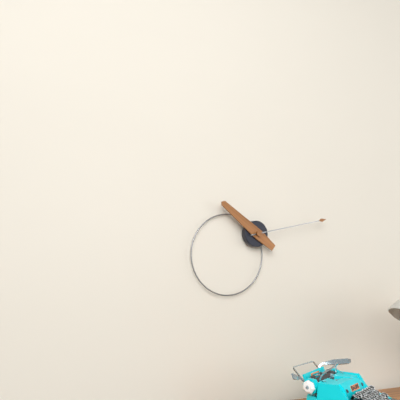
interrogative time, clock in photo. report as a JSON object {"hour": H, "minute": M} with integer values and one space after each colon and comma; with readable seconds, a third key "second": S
{"hour": 10, "minute": 13}
